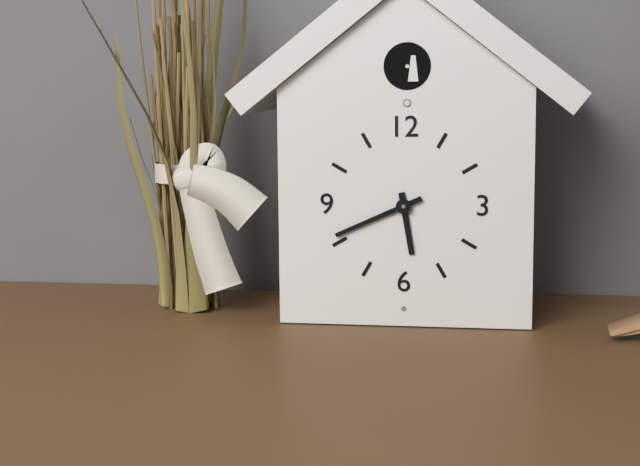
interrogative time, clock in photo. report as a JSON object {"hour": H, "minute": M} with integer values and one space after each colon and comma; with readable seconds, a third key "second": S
{"hour": 5, "minute": 41}
